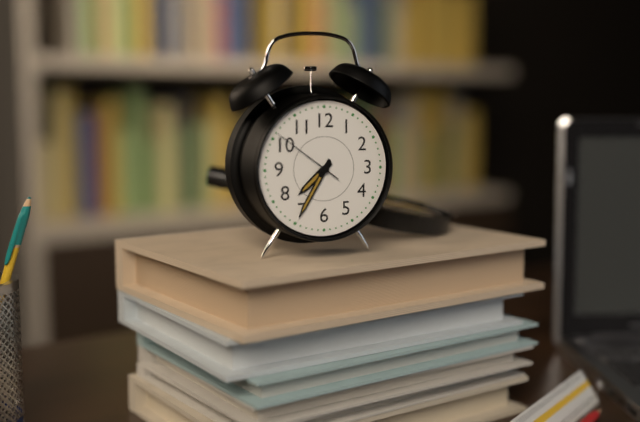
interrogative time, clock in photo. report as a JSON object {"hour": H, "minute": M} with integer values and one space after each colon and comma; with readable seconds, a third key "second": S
{"hour": 7, "minute": 35, "second": 51}
